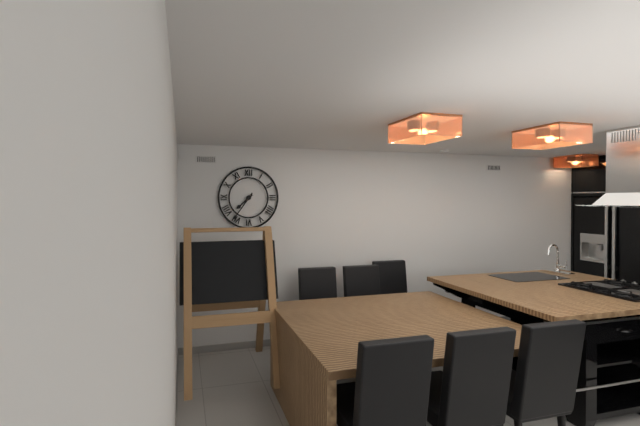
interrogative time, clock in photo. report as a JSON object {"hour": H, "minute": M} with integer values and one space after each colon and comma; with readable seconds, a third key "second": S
{"hour": 7, "minute": 36}
